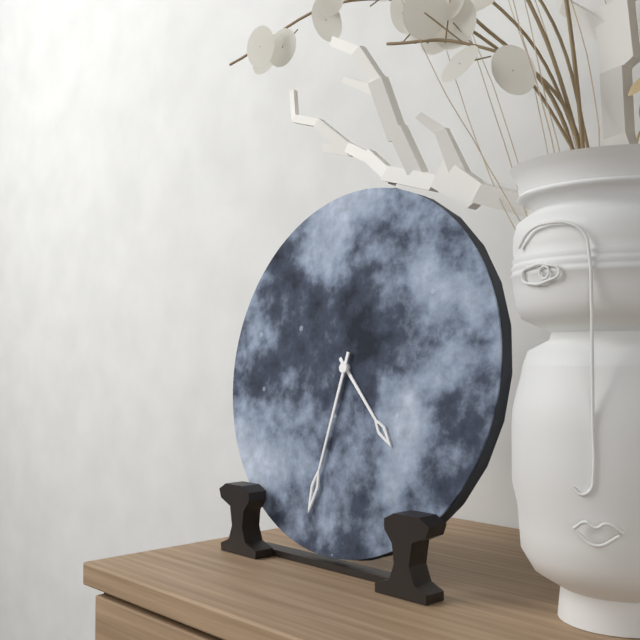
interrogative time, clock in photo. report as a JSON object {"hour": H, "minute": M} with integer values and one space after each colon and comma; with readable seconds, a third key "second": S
{"hour": 4, "minute": 32}
